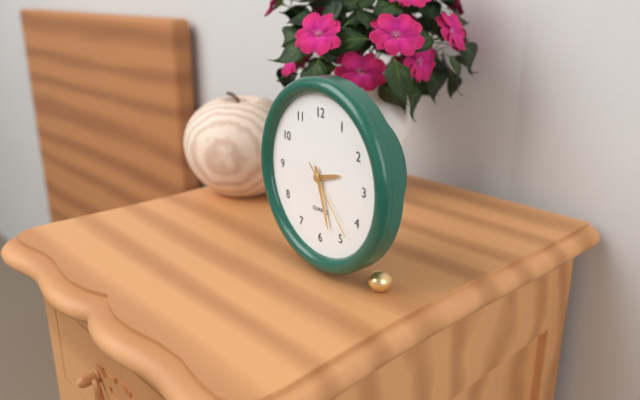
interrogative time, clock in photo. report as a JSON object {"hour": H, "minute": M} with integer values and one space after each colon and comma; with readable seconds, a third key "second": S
{"hour": 2, "minute": 27, "second": 23}
